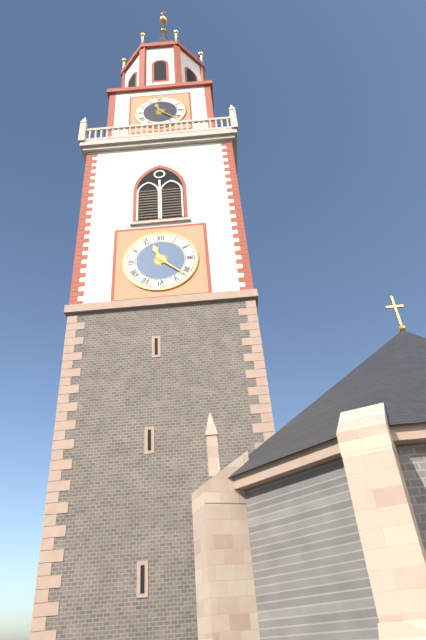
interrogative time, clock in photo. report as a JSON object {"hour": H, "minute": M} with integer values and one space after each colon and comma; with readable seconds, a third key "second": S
{"hour": 11, "minute": 22}
